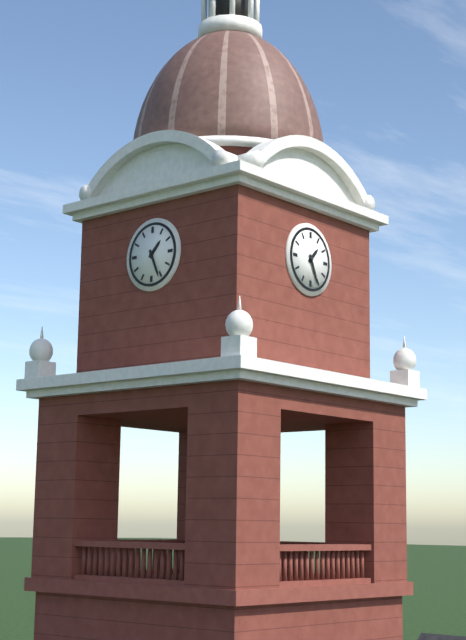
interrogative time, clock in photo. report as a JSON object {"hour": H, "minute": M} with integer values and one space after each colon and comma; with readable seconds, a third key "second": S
{"hour": 1, "minute": 26}
